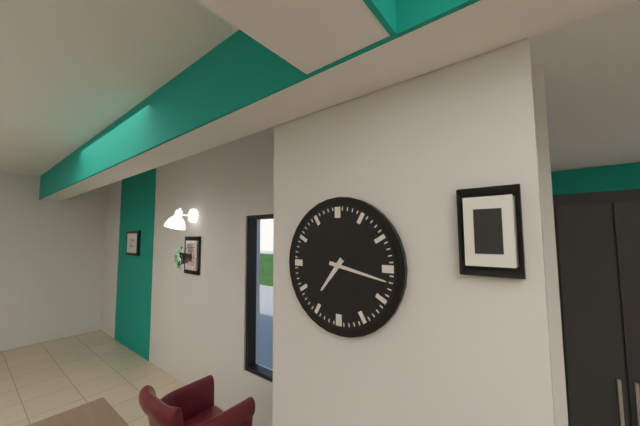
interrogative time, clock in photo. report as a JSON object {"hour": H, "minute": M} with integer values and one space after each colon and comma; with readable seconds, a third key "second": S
{"hour": 7, "minute": 17}
